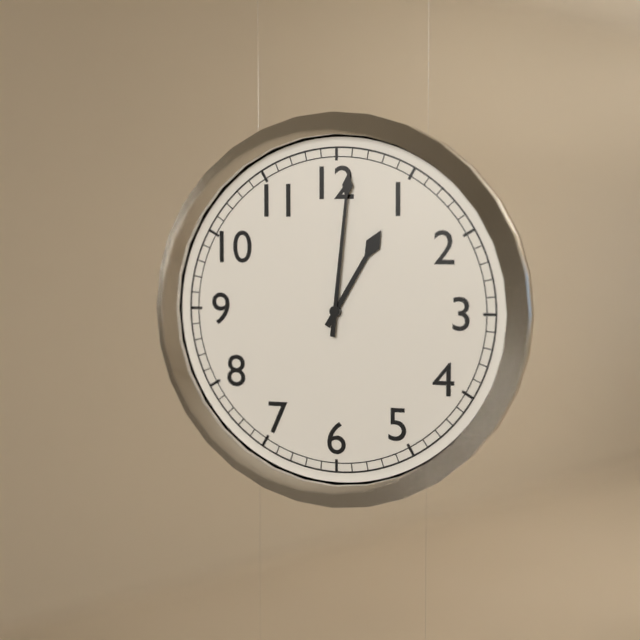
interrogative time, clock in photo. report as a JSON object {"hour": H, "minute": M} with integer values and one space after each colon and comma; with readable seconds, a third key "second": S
{"hour": 1, "minute": 1}
